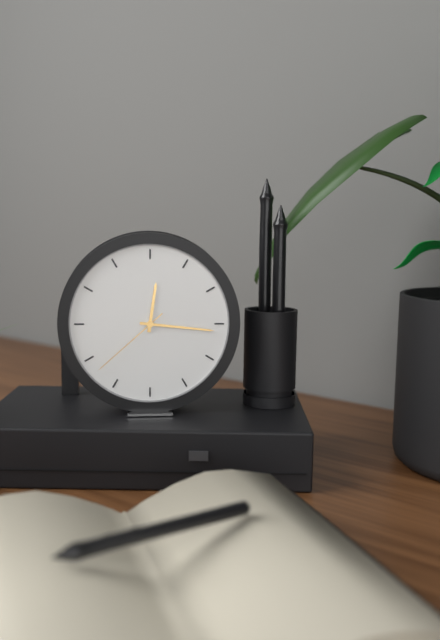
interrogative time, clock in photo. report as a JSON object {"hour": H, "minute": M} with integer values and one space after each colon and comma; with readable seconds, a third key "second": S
{"hour": 12, "minute": 16, "second": 38}
